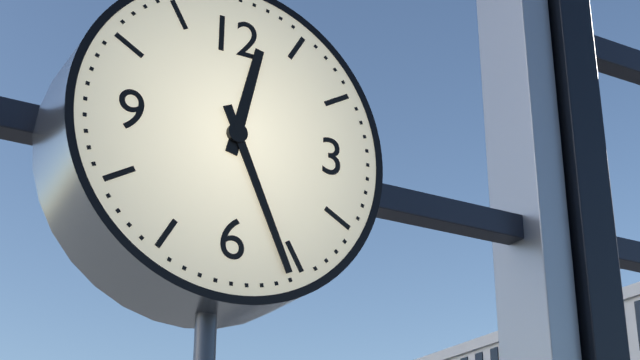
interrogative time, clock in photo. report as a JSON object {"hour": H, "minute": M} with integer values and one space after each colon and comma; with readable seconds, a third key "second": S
{"hour": 12, "minute": 26}
